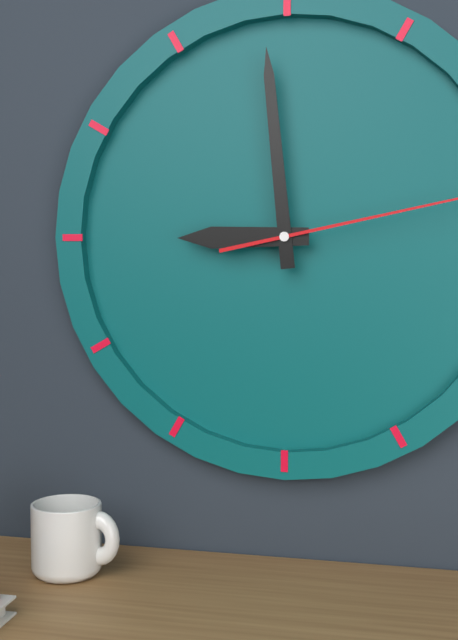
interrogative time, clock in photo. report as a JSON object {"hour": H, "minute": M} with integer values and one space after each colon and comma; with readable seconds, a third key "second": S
{"hour": 8, "minute": 59}
